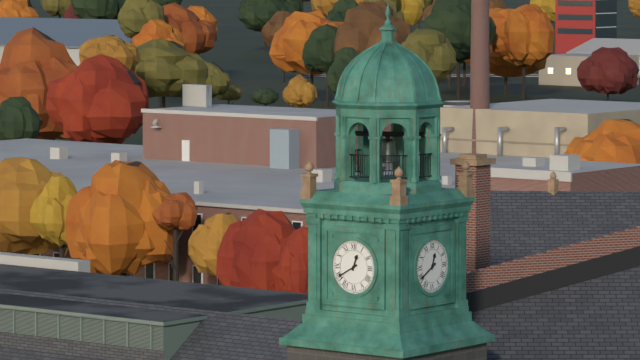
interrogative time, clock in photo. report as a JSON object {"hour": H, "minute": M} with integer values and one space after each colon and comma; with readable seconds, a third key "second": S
{"hour": 12, "minute": 40}
